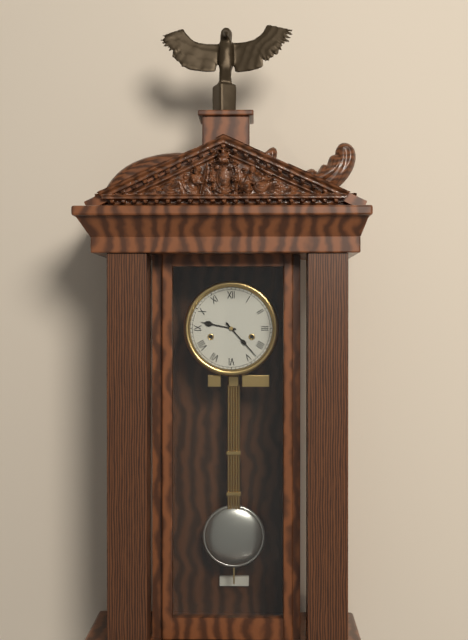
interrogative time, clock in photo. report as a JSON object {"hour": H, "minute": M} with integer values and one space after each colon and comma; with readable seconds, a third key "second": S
{"hour": 9, "minute": 23}
